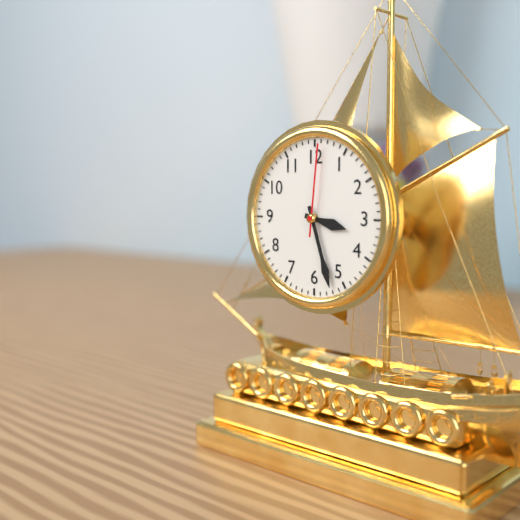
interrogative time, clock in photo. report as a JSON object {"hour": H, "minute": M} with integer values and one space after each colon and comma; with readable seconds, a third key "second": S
{"hour": 3, "minute": 27, "second": 1}
